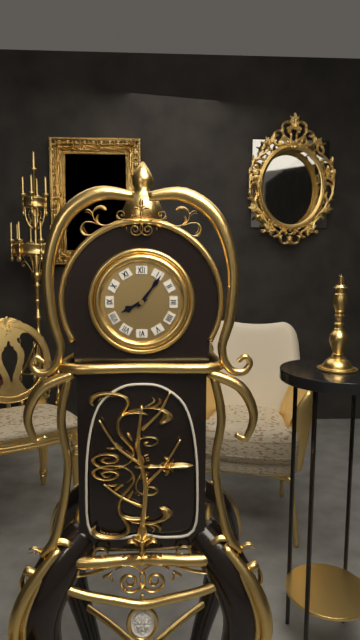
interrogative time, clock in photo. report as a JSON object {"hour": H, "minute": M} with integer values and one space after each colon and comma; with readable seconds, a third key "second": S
{"hour": 8, "minute": 6}
